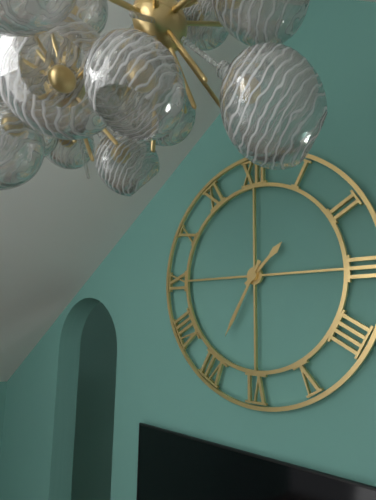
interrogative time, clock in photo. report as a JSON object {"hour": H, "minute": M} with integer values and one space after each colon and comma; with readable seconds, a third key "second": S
{"hour": 1, "minute": 35}
